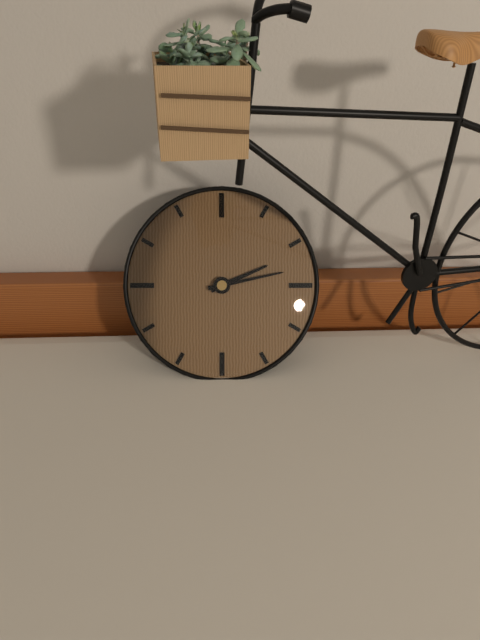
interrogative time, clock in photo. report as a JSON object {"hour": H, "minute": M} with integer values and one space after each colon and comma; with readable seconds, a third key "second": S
{"hour": 2, "minute": 13}
